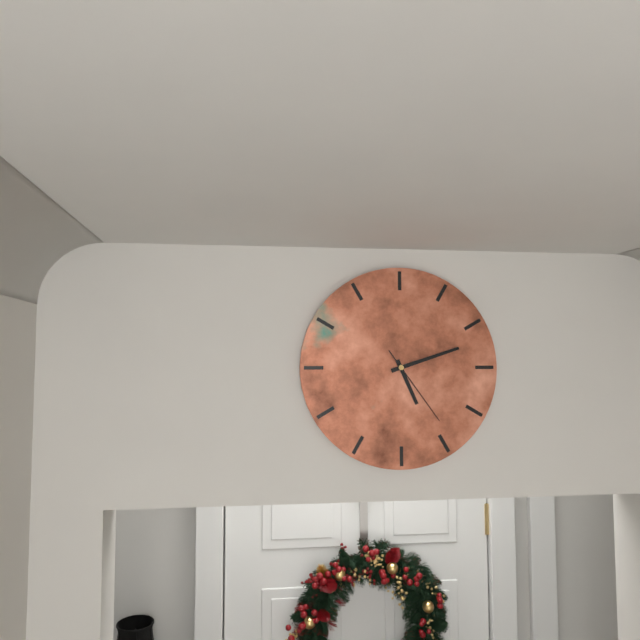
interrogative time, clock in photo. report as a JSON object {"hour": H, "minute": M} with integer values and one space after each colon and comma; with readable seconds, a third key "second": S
{"hour": 5, "minute": 12, "second": 24}
